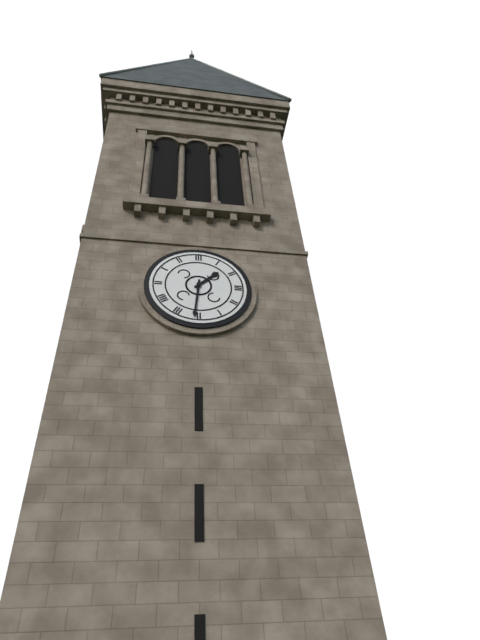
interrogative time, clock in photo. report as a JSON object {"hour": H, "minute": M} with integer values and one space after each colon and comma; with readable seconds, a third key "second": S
{"hour": 1, "minute": 31}
